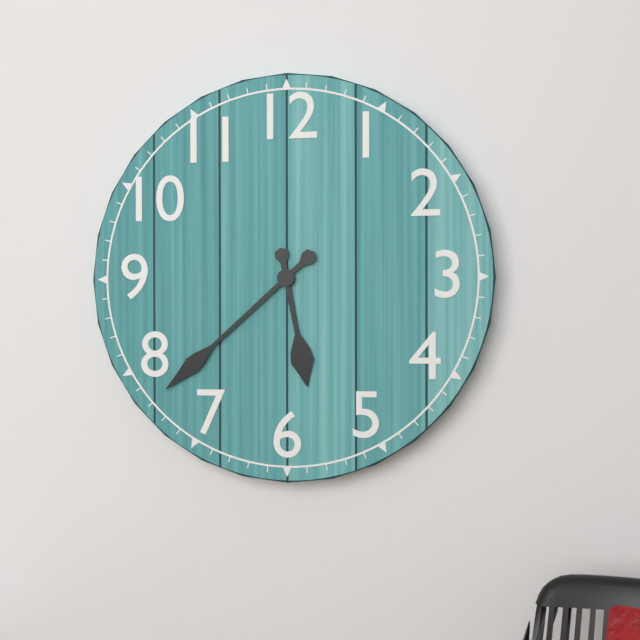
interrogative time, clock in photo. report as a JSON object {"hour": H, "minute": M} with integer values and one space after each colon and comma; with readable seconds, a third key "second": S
{"hour": 5, "minute": 38}
